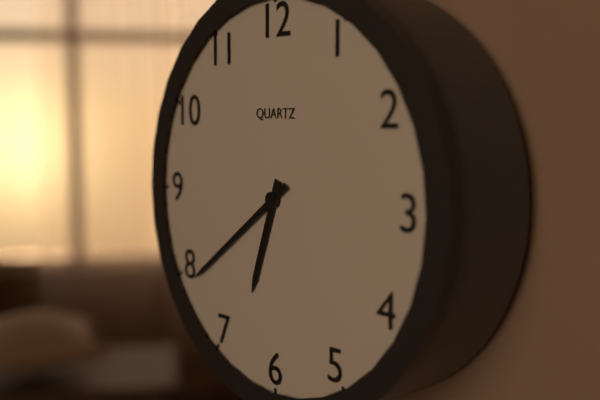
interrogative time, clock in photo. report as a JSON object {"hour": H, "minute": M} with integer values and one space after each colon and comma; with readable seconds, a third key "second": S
{"hour": 6, "minute": 39}
